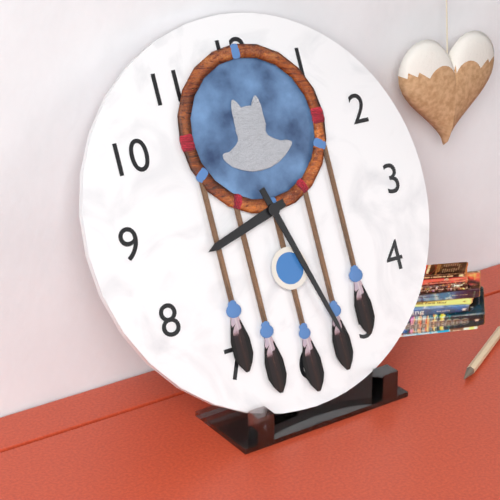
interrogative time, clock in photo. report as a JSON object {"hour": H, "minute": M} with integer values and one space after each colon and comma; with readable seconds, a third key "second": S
{"hour": 8, "minute": 27}
